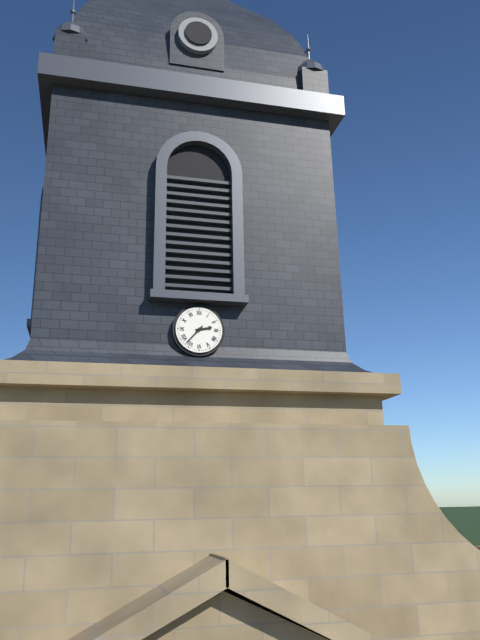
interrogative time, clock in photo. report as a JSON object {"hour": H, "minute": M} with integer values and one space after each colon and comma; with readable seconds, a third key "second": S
{"hour": 2, "minute": 37}
